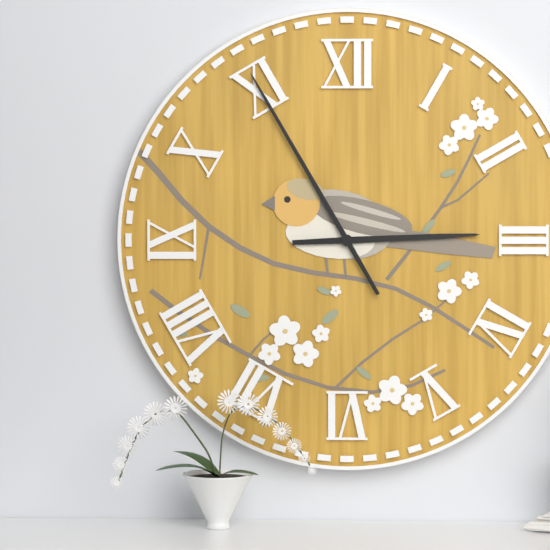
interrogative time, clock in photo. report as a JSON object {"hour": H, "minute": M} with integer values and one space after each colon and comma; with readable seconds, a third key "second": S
{"hour": 2, "minute": 55}
